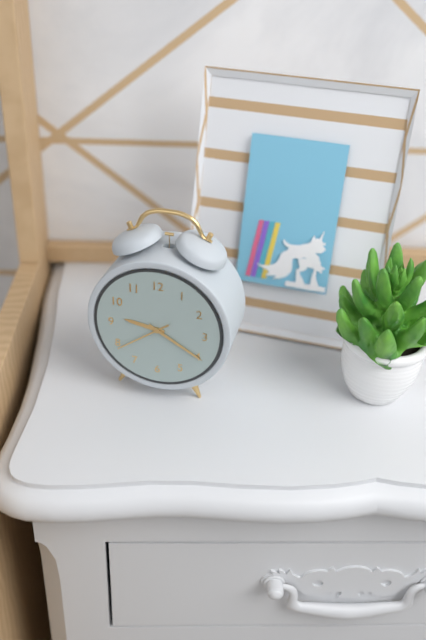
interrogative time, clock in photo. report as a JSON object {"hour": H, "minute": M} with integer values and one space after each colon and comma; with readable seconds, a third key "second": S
{"hour": 9, "minute": 20, "second": 39}
